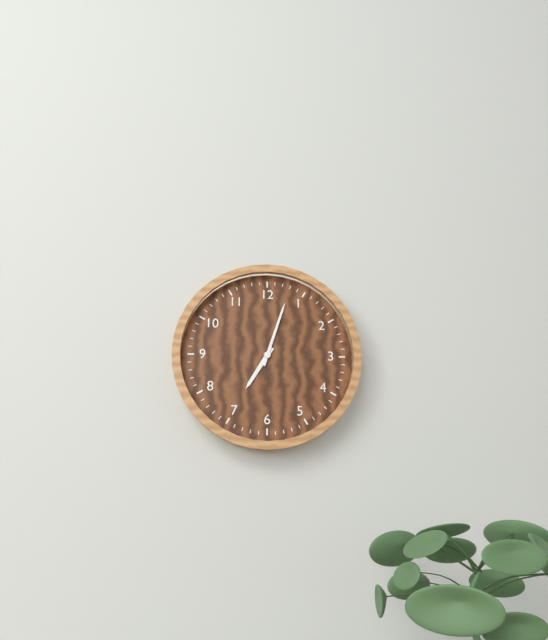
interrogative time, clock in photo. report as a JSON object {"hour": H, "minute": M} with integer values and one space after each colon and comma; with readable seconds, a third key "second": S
{"hour": 7, "minute": 3}
